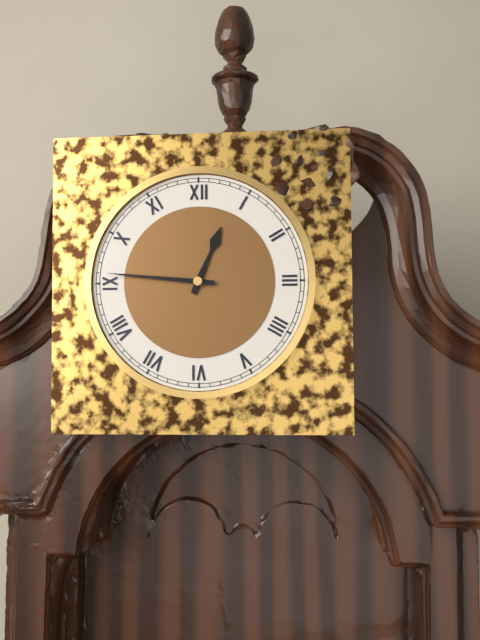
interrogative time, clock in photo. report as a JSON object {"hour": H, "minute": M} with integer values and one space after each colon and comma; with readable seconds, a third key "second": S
{"hour": 12, "minute": 46}
